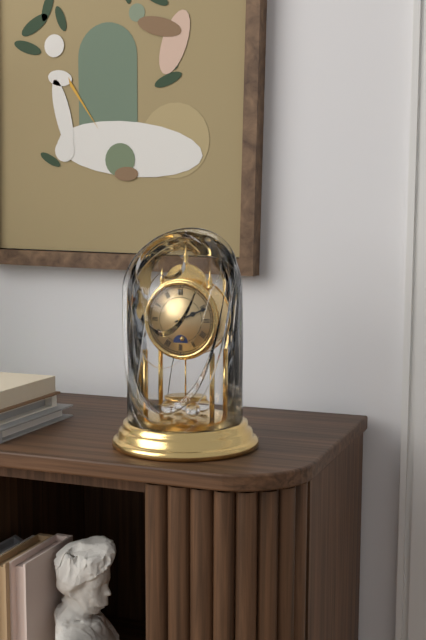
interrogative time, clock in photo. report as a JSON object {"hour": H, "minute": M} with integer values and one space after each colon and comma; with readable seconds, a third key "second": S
{"hour": 2, "minute": 11}
